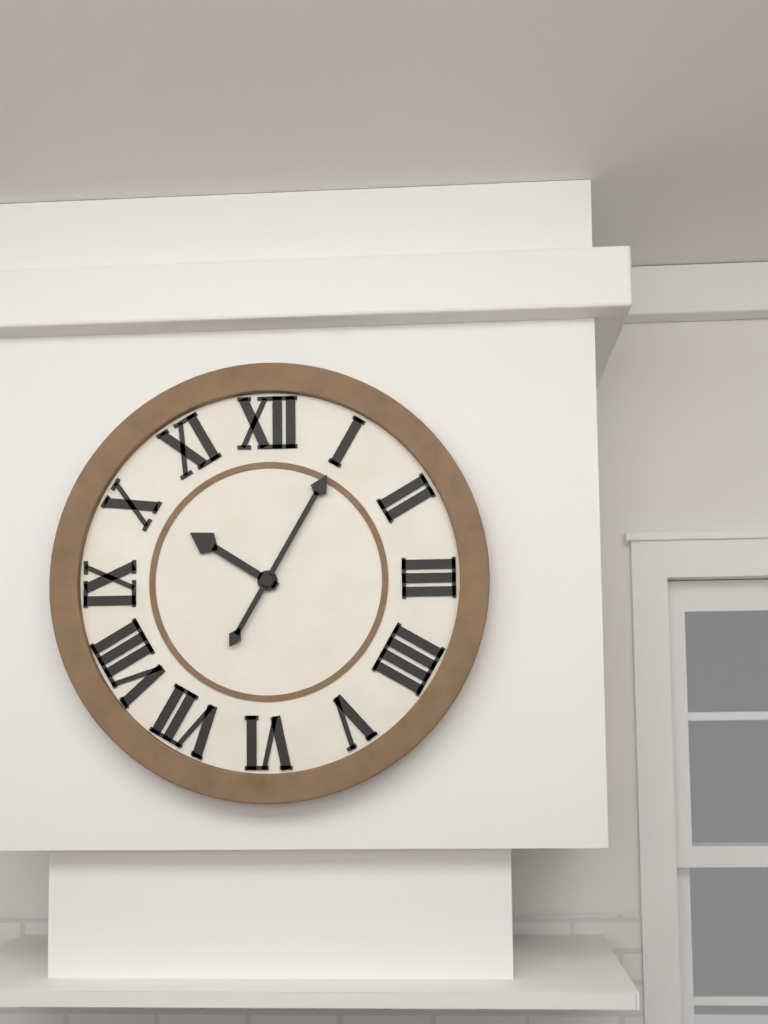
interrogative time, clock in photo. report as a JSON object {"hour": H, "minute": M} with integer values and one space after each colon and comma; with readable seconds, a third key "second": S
{"hour": 10, "minute": 5}
